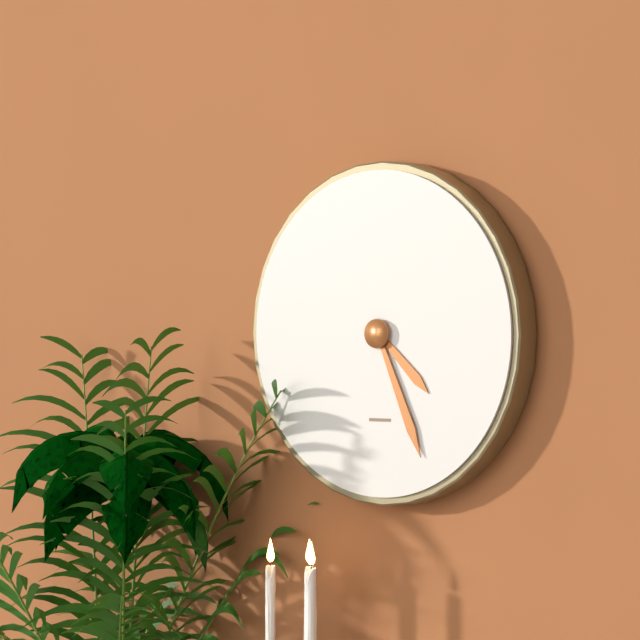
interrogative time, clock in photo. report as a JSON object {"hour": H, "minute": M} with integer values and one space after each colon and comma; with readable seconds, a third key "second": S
{"hour": 4, "minute": 26}
